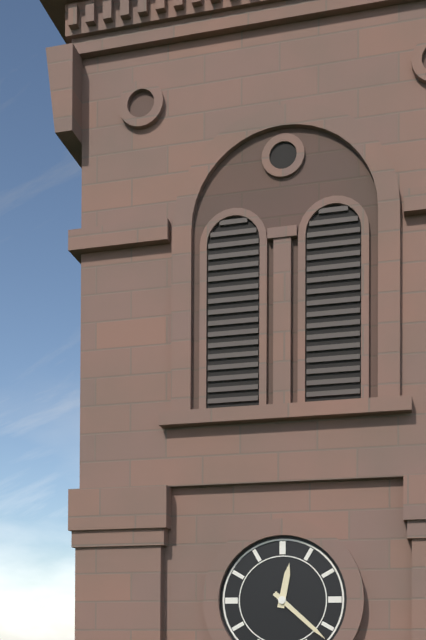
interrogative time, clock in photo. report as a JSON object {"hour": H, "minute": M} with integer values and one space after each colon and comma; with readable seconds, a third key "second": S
{"hour": 12, "minute": 22}
